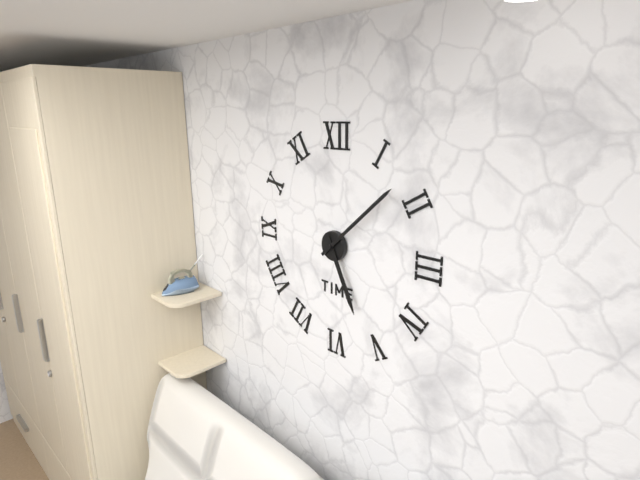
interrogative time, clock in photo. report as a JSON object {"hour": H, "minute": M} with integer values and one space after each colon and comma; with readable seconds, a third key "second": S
{"hour": 5, "minute": 8}
